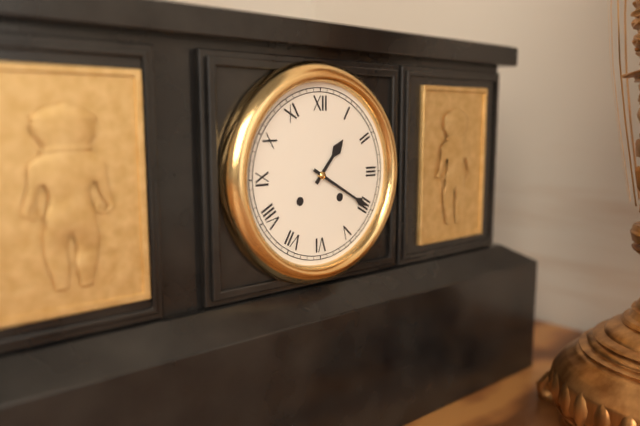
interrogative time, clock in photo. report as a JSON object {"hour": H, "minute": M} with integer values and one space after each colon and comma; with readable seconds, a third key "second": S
{"hour": 1, "minute": 20}
